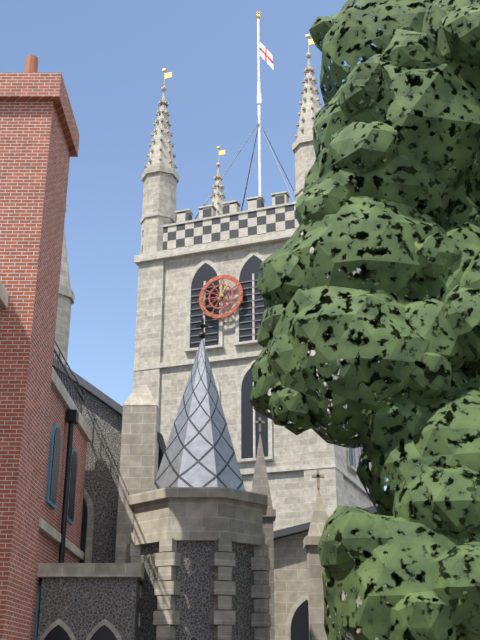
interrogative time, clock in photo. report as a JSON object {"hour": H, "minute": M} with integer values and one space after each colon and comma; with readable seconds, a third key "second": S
{"hour": 12, "minute": 6}
